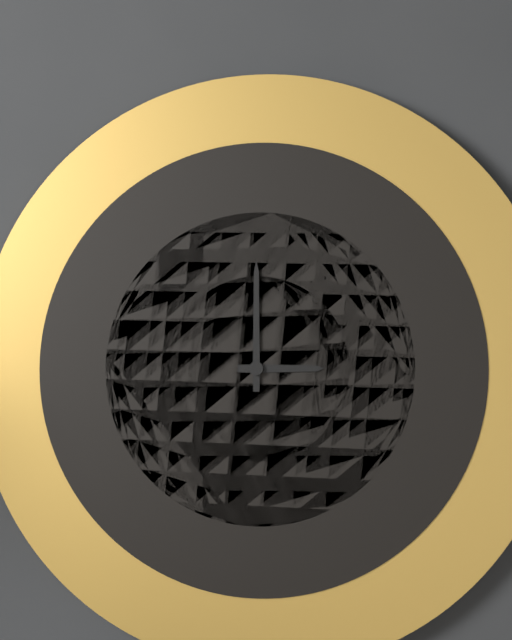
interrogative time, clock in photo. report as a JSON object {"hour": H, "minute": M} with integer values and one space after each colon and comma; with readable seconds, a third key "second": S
{"hour": 3, "minute": 0}
